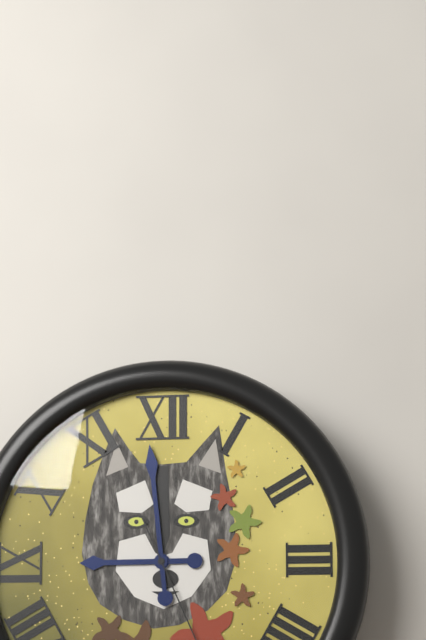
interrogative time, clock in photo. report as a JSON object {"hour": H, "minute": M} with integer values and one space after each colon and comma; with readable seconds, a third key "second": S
{"hour": 8, "minute": 59}
